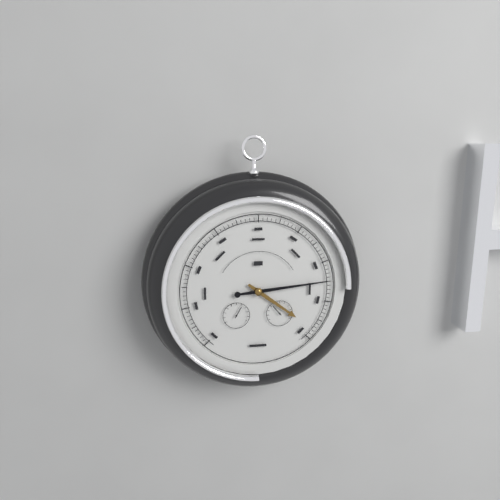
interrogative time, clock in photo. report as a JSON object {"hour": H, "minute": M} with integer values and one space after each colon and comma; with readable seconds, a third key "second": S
{"hour": 4, "minute": 14}
